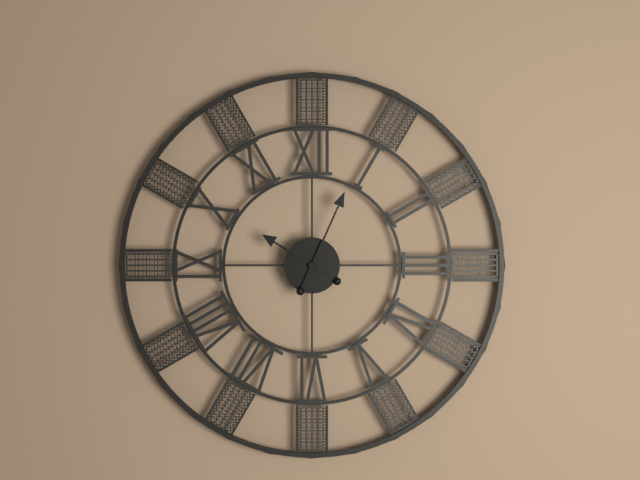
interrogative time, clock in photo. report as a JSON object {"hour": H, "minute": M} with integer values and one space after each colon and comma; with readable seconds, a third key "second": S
{"hour": 10, "minute": 4}
